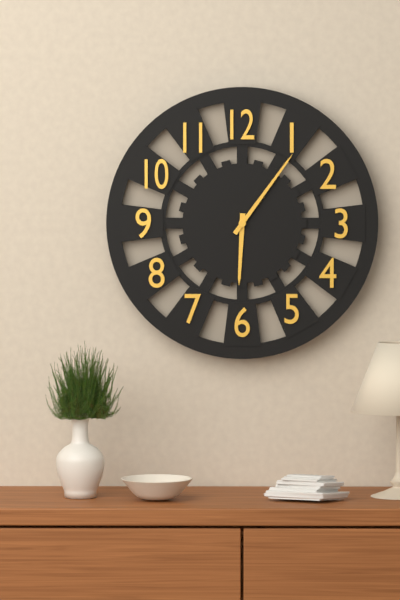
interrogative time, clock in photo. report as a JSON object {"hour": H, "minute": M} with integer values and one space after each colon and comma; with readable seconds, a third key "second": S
{"hour": 6, "minute": 6}
